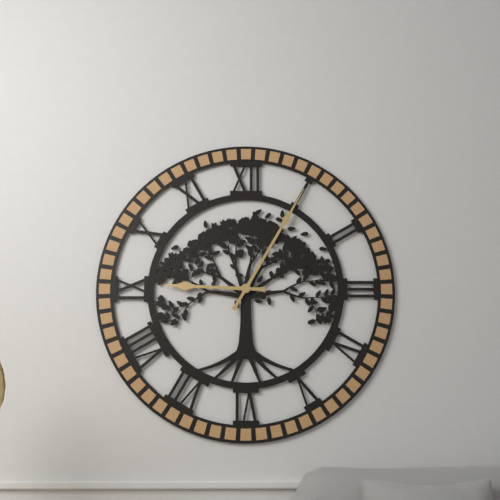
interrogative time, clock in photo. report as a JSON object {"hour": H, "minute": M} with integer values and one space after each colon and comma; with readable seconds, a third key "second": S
{"hour": 9, "minute": 5}
